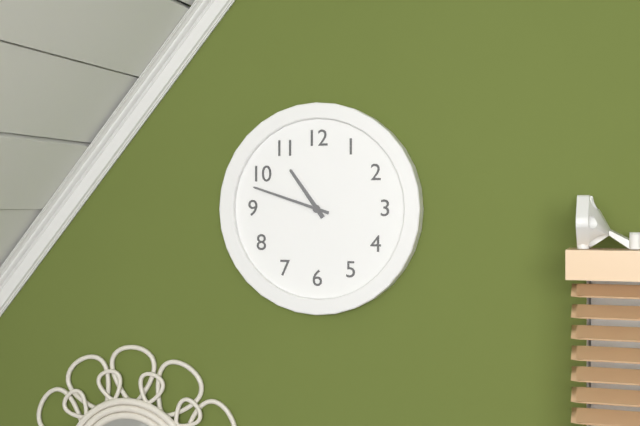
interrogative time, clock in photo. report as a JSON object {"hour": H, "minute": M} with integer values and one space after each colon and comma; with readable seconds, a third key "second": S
{"hour": 10, "minute": 48}
